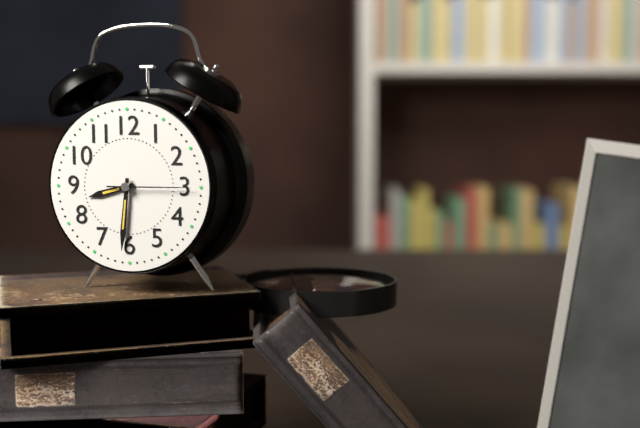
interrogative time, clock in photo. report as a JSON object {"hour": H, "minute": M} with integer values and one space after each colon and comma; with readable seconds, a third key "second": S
{"hour": 8, "minute": 31, "second": 15}
